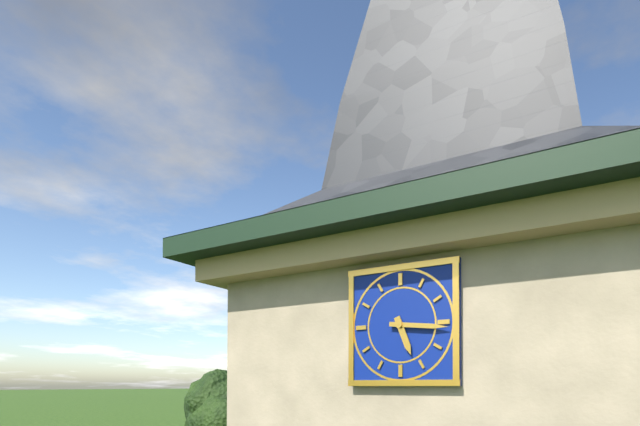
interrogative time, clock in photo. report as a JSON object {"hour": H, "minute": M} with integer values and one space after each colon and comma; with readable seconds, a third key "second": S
{"hour": 5, "minute": 16}
